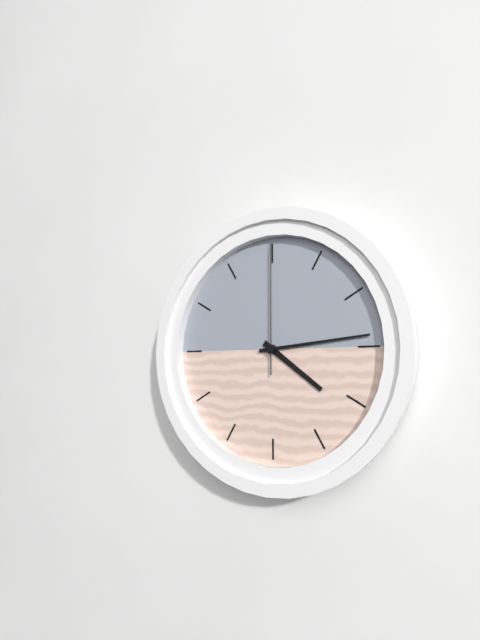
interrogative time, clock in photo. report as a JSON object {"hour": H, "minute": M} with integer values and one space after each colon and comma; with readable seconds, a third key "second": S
{"hour": 4, "minute": 14, "second": 0}
